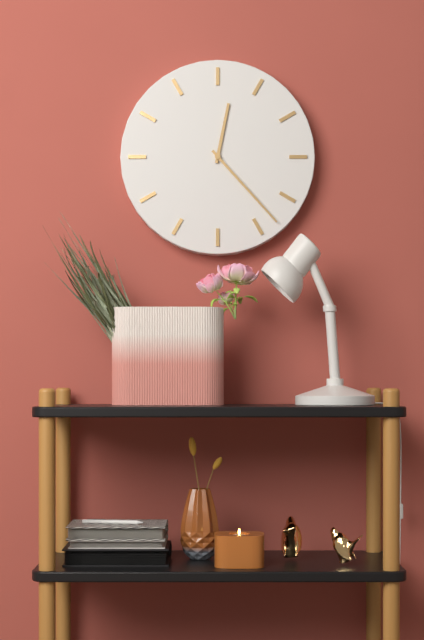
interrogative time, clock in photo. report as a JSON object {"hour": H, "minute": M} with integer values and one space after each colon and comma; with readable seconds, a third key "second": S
{"hour": 12, "minute": 23}
